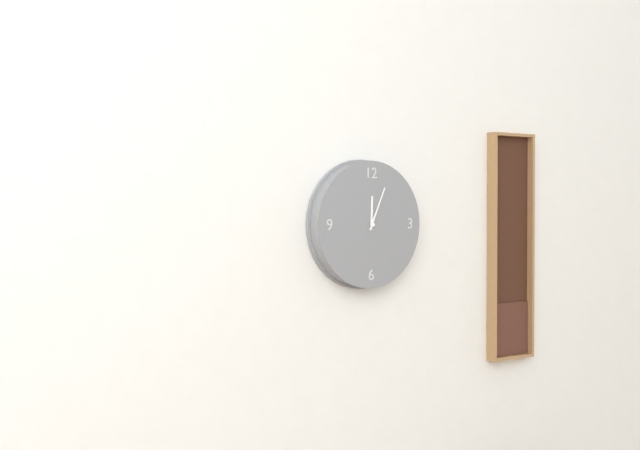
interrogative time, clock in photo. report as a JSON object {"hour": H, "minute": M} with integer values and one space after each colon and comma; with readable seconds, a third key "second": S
{"hour": 12, "minute": 4}
